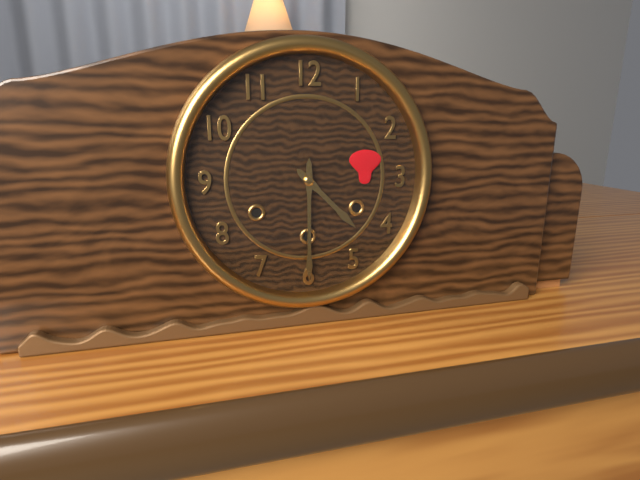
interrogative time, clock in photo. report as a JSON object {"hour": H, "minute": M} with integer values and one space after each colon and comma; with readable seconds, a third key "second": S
{"hour": 4, "minute": 30}
